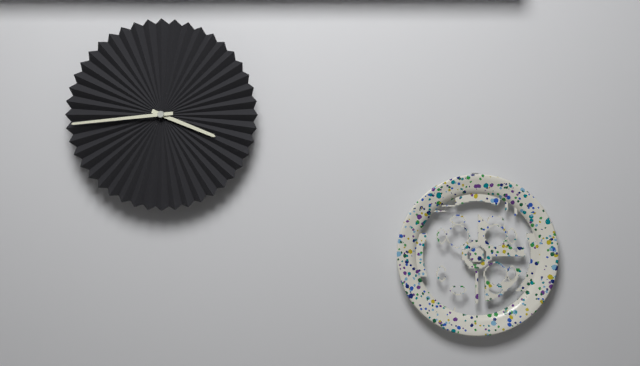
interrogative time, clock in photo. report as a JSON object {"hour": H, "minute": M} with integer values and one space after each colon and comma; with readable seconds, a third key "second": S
{"hour": 3, "minute": 44}
